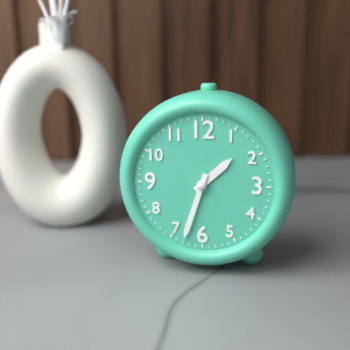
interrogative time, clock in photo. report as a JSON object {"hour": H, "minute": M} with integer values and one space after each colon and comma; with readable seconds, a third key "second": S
{"hour": 1, "minute": 33}
